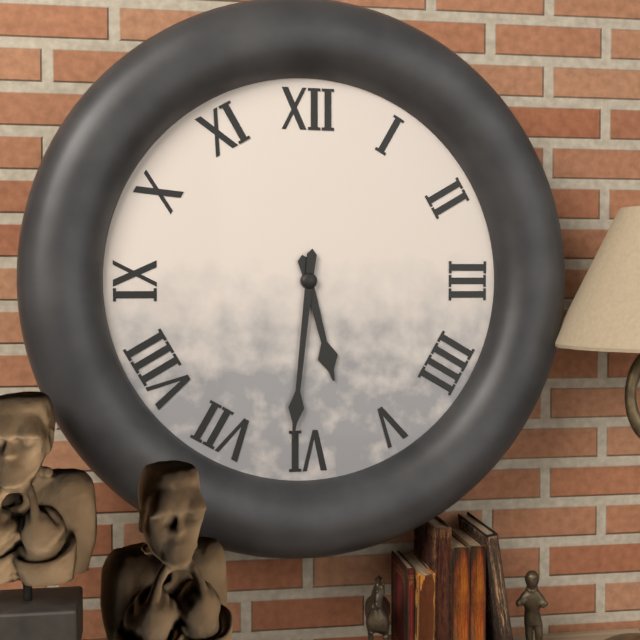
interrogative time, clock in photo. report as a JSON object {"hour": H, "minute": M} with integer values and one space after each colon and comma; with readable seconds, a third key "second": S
{"hour": 5, "minute": 31}
